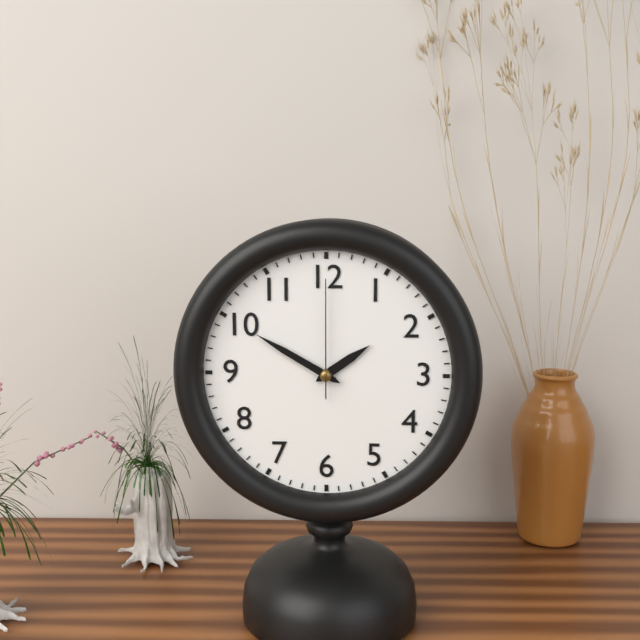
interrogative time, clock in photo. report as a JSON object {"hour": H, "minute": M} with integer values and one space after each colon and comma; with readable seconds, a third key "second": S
{"hour": 1, "minute": 50, "second": 0}
